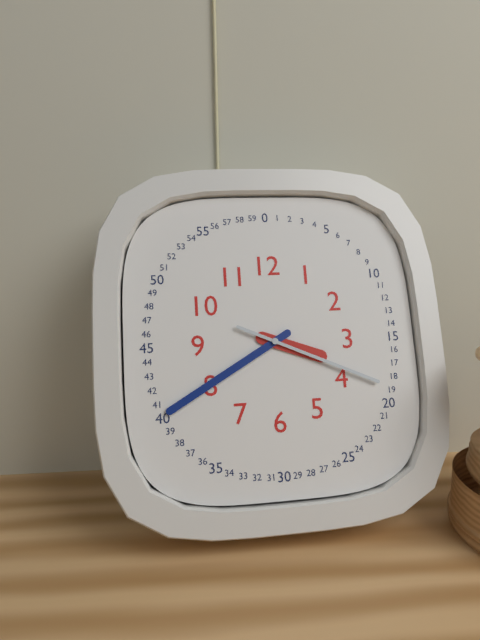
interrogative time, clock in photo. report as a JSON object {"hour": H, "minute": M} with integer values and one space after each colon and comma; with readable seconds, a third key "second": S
{"hour": 3, "minute": 40, "second": 19}
